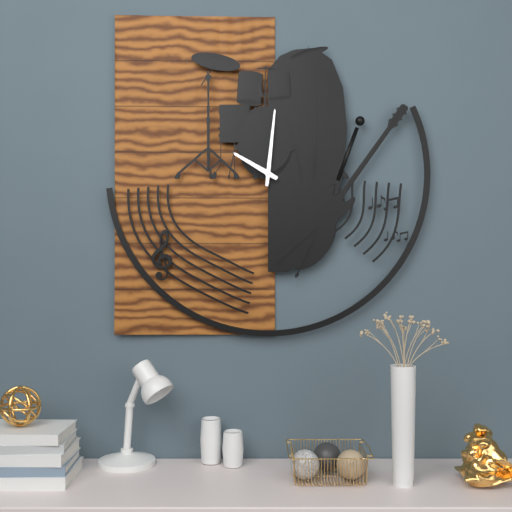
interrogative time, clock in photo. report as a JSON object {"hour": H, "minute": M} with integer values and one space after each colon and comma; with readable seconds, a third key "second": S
{"hour": 10, "minute": 1}
